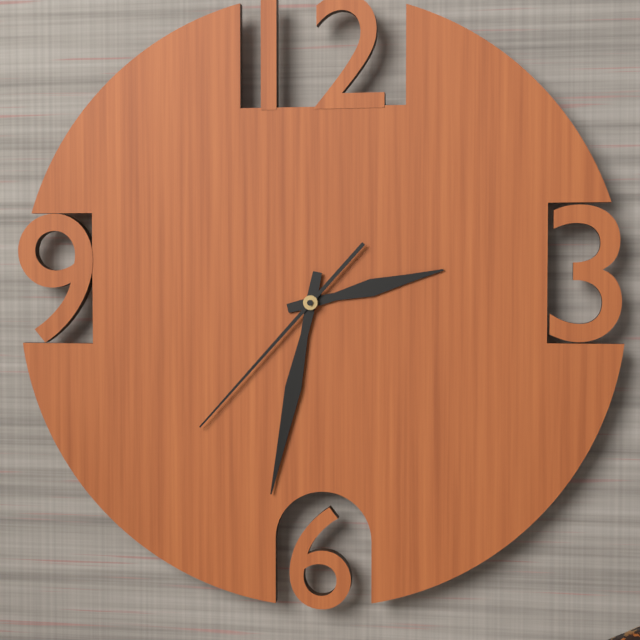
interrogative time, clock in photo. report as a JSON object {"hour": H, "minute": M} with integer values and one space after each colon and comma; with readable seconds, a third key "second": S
{"hour": 2, "minute": 32, "second": 37}
